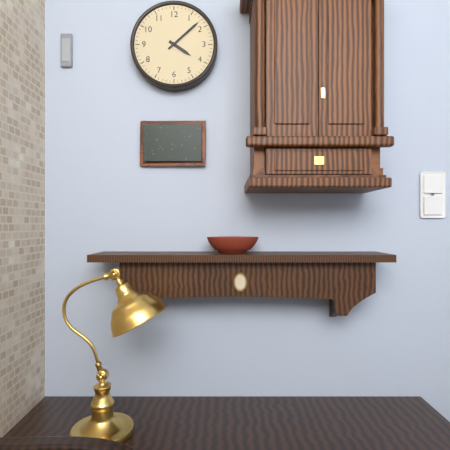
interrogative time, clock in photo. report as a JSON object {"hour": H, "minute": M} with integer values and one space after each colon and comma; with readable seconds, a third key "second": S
{"hour": 4, "minute": 8}
